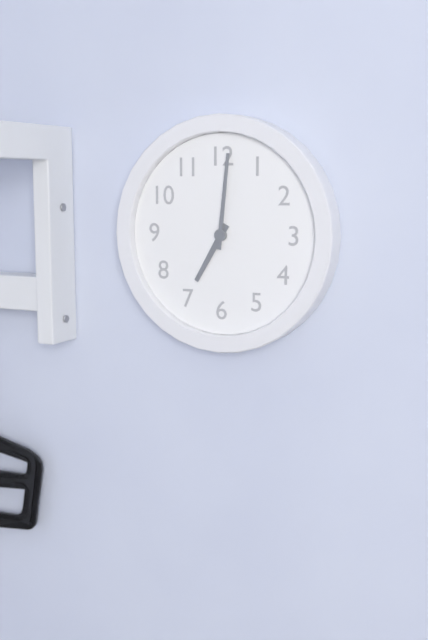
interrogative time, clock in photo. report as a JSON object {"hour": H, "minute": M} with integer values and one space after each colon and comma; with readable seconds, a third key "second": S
{"hour": 7, "minute": 1}
